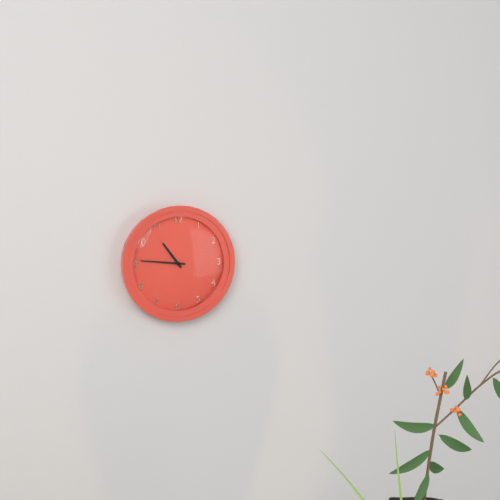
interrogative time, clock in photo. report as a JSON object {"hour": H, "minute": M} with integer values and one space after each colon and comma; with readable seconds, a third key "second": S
{"hour": 10, "minute": 46}
